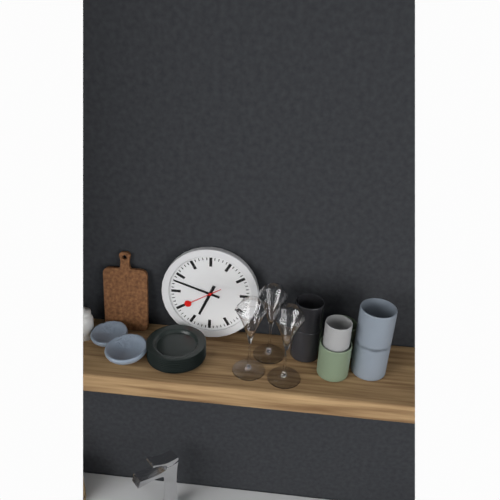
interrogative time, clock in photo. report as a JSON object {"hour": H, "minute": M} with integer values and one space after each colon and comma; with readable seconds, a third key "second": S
{"hour": 6, "minute": 48}
